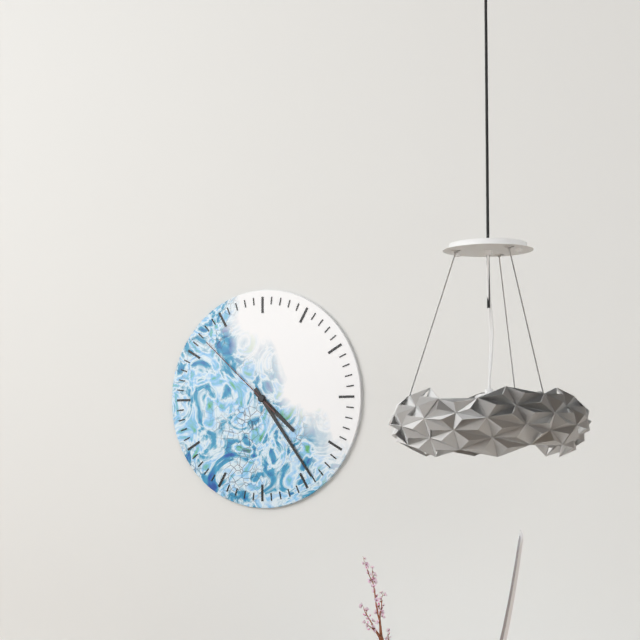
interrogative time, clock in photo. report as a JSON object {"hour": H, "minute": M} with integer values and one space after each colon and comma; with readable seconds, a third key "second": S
{"hour": 4, "minute": 24, "second": 52}
